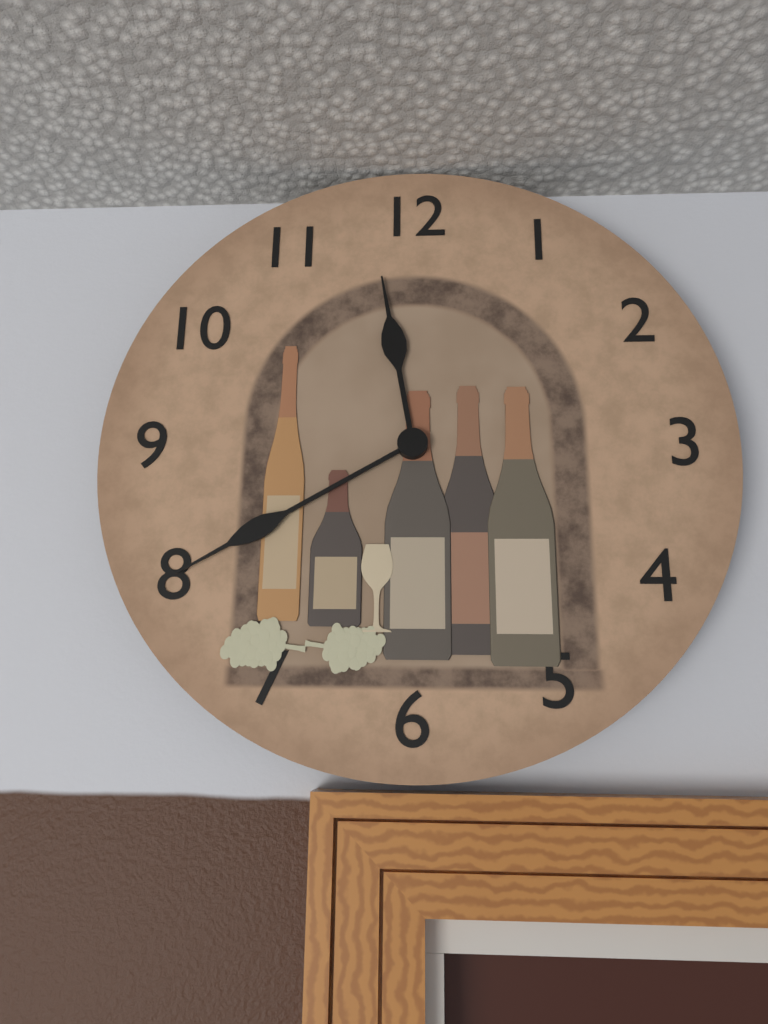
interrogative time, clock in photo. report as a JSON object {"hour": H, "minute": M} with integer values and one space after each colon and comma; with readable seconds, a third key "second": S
{"hour": 11, "minute": 40}
